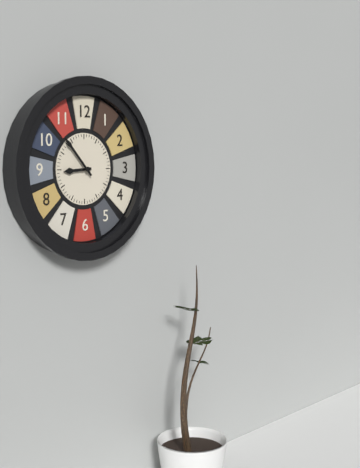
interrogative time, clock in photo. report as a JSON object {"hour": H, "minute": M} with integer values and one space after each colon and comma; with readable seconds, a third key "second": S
{"hour": 8, "minute": 53}
